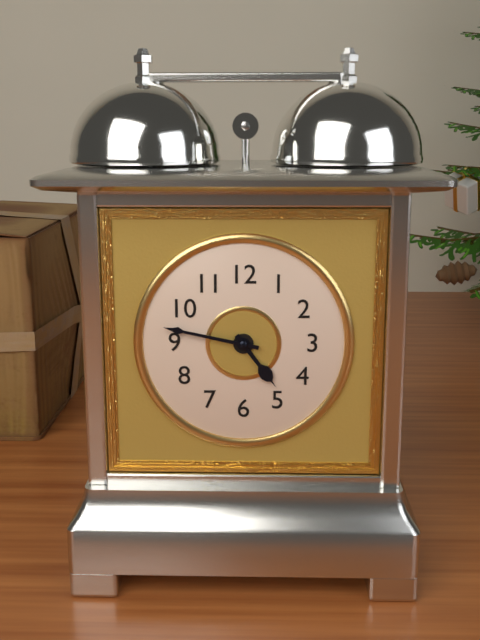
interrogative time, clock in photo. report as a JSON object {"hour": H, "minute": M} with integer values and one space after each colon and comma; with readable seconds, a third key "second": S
{"hour": 4, "minute": 47}
